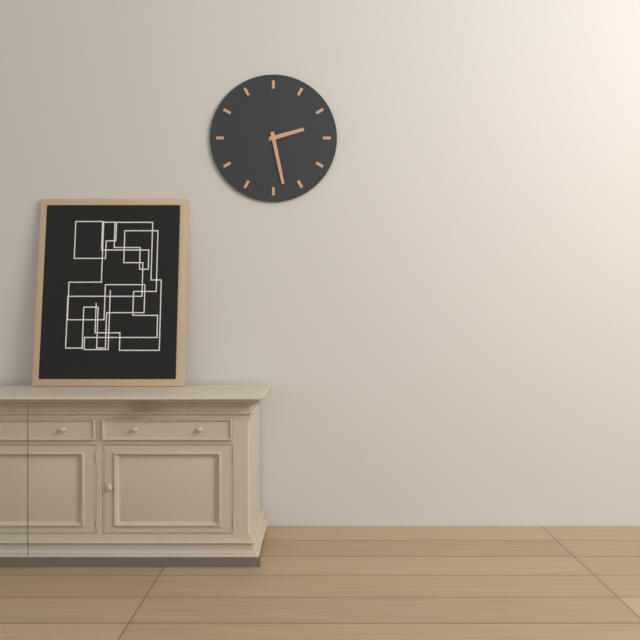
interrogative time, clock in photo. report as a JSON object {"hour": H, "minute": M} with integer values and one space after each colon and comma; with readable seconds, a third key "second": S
{"hour": 2, "minute": 28}
